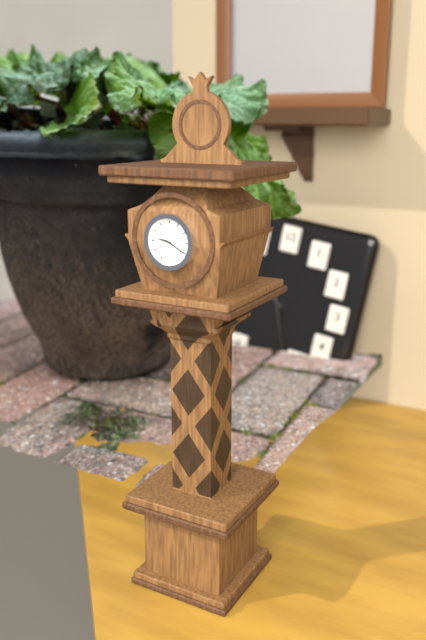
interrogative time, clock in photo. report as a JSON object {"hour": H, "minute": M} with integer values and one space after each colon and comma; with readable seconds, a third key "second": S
{"hour": 9, "minute": 20}
